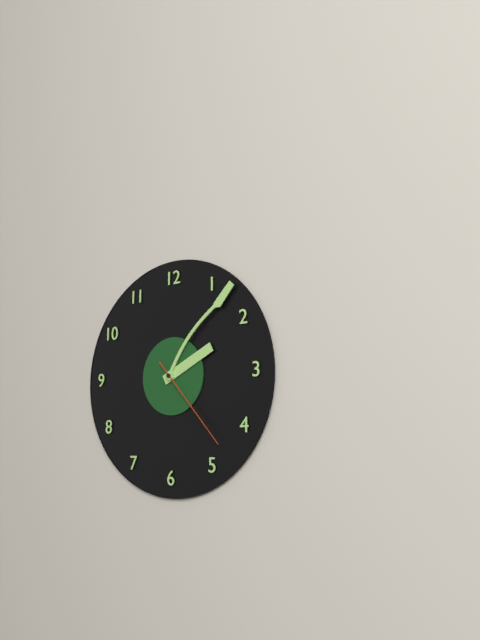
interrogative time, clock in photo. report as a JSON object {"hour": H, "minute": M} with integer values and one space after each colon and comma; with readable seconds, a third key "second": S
{"hour": 2, "minute": 7, "second": 23}
